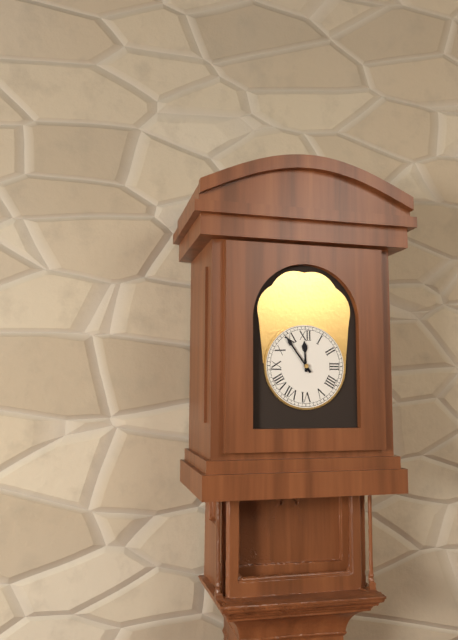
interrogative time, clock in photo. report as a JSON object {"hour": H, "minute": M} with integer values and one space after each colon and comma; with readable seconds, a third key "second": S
{"hour": 11, "minute": 54}
